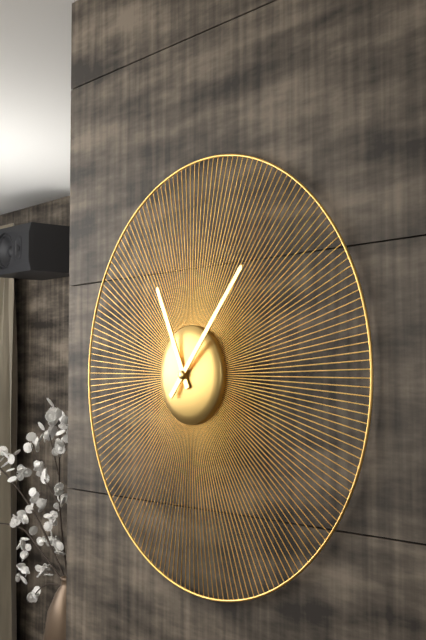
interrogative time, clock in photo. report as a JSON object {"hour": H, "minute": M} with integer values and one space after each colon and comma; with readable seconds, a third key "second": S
{"hour": 11, "minute": 7}
